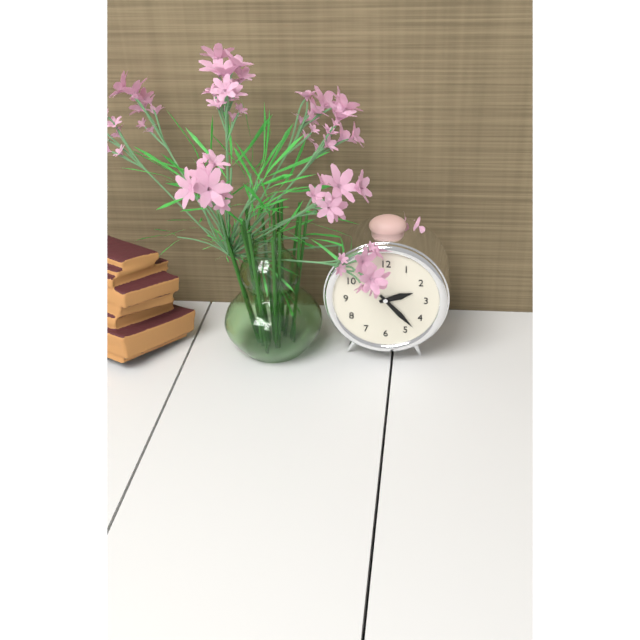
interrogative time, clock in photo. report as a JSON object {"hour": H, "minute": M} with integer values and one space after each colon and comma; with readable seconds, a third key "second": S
{"hour": 2, "minute": 23}
